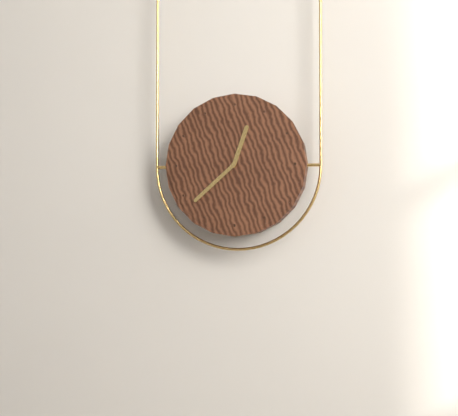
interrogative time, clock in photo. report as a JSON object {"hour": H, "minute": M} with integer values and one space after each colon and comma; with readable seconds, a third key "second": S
{"hour": 12, "minute": 38}
